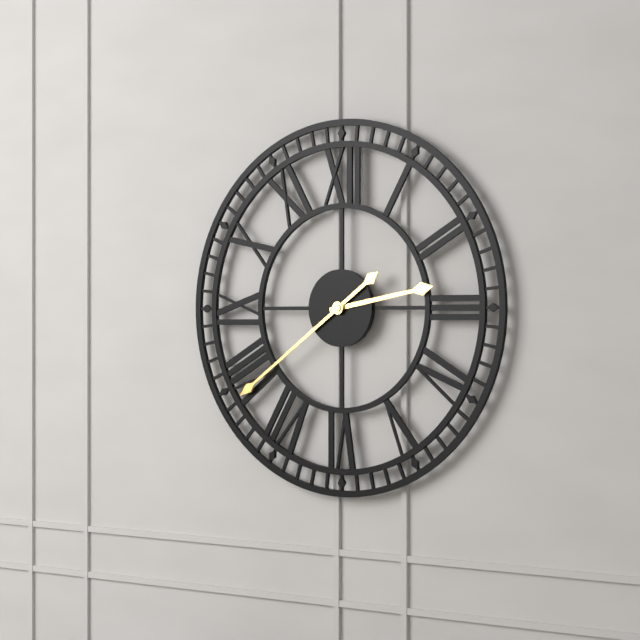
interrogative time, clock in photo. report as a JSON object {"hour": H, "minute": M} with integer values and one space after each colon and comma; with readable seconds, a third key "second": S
{"hour": 2, "minute": 39}
